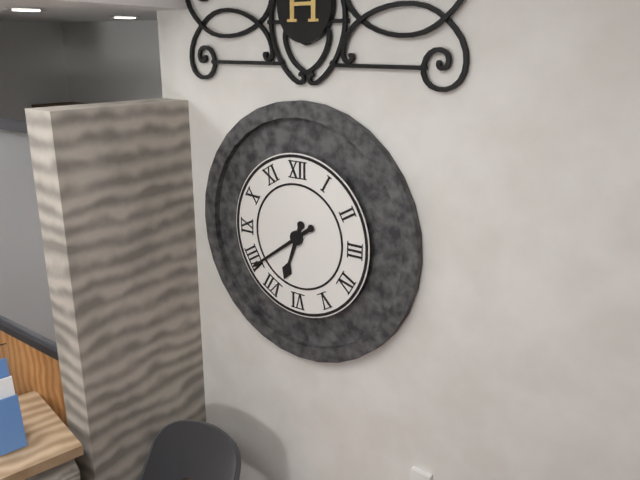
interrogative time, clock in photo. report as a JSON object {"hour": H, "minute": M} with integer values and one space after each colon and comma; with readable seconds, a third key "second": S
{"hour": 6, "minute": 39}
